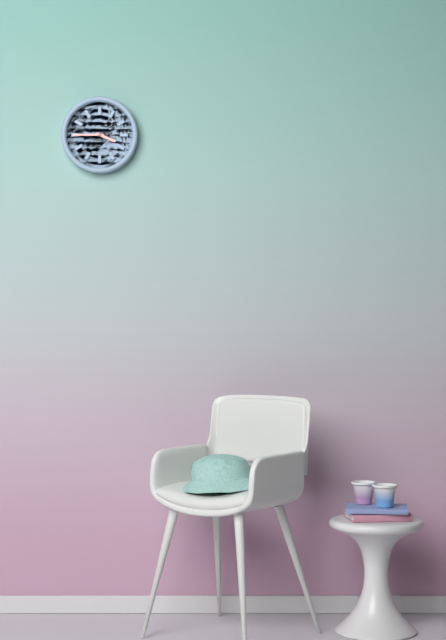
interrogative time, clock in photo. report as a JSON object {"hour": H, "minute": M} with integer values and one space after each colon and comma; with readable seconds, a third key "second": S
{"hour": 3, "minute": 45}
